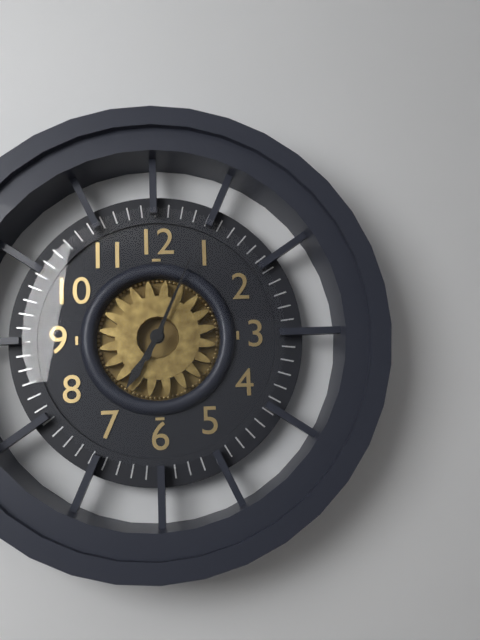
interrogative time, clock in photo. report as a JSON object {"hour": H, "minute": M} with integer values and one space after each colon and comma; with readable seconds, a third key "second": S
{"hour": 7, "minute": 4}
